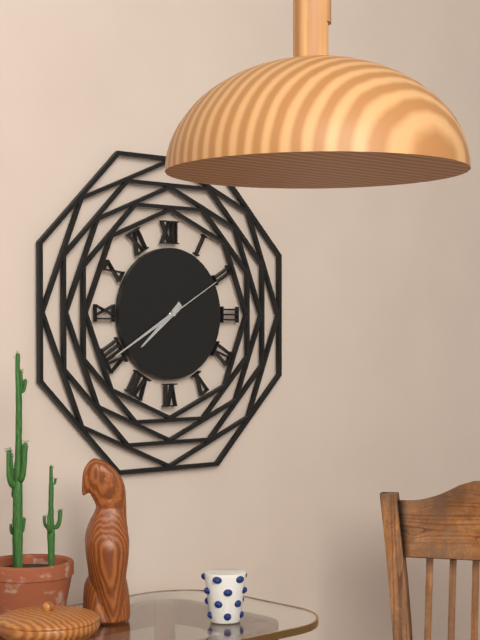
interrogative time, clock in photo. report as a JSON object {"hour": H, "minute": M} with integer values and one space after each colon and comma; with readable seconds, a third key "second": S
{"hour": 7, "minute": 40, "second": 10}
